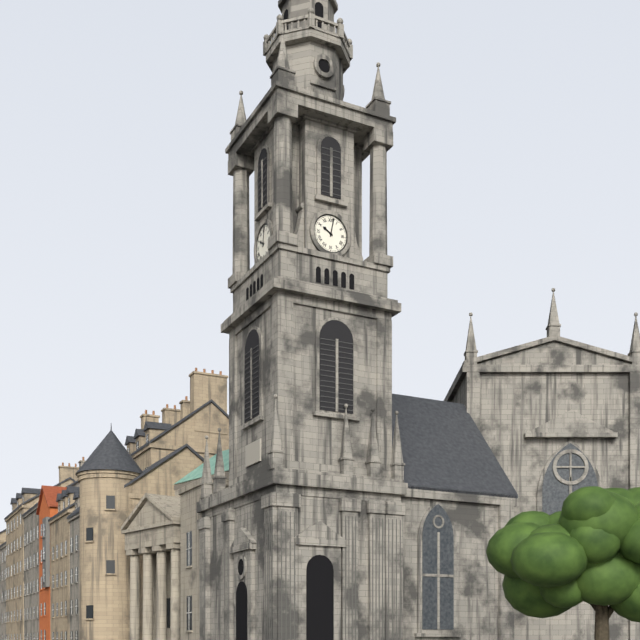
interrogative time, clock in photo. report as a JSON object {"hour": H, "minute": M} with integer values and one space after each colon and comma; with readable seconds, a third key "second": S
{"hour": 10, "minute": 2}
